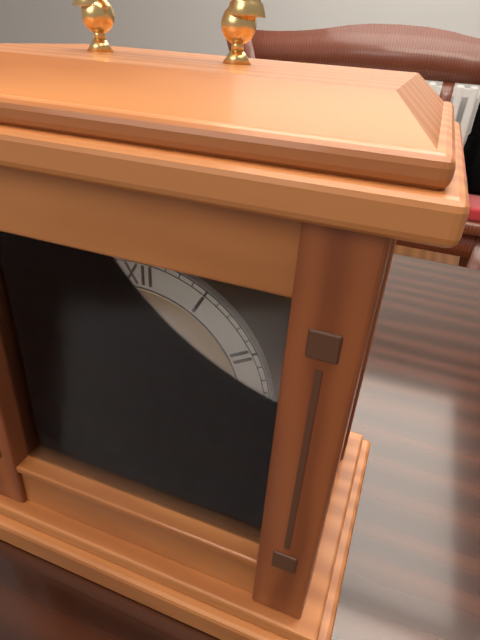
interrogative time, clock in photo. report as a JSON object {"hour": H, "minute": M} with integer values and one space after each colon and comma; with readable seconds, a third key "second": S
{"hour": 6, "minute": 57}
